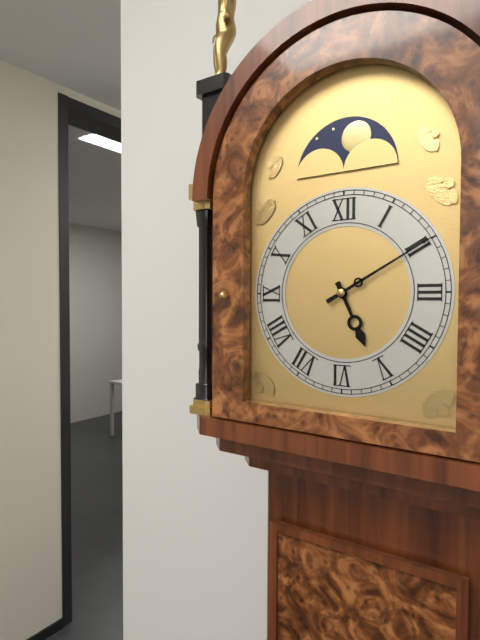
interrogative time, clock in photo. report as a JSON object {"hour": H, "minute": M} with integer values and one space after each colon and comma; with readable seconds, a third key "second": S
{"hour": 5, "minute": 10}
